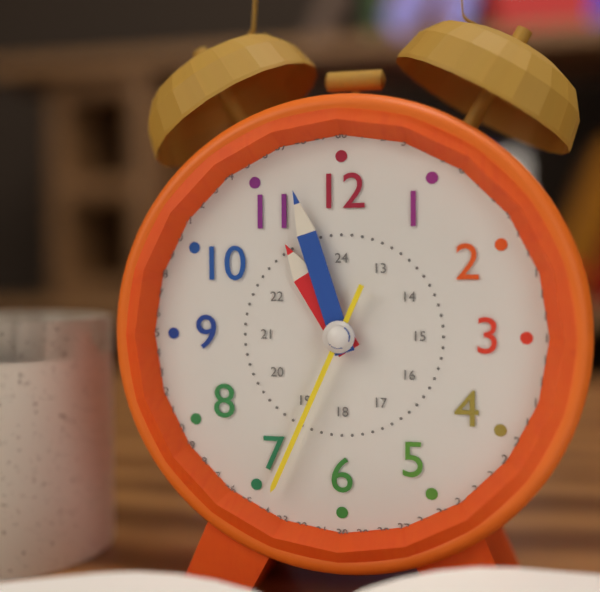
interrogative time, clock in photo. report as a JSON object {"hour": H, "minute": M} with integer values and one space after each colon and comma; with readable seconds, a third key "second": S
{"hour": 10, "minute": 57, "second": 34}
